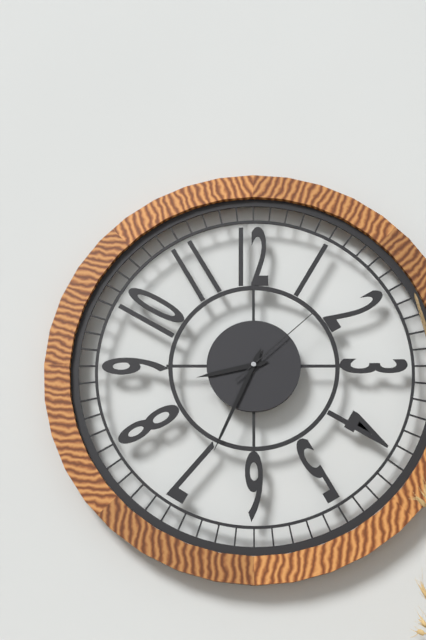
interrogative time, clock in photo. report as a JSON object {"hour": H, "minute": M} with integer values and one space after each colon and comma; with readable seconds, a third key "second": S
{"hour": 8, "minute": 34, "second": 8}
